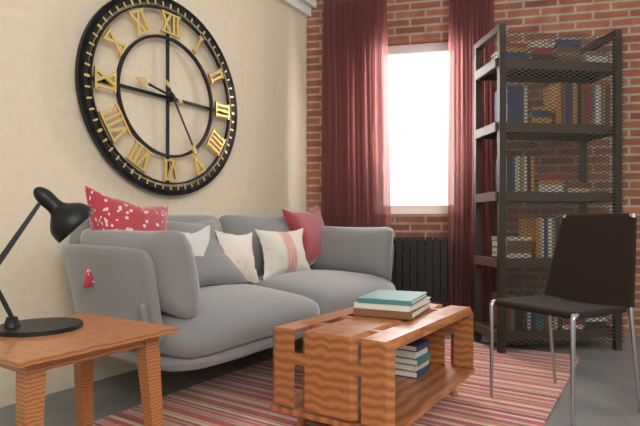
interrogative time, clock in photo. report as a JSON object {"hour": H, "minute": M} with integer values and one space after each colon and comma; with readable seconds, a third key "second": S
{"hour": 9, "minute": 25}
